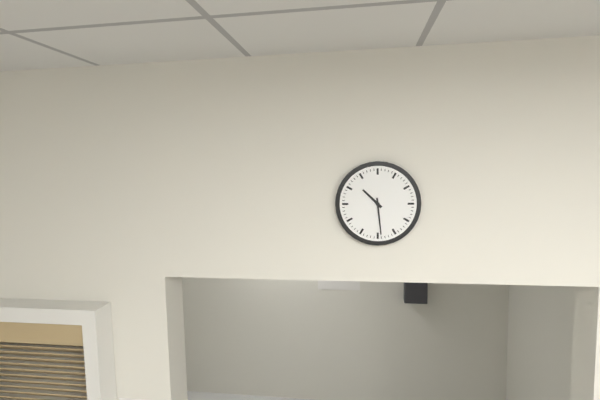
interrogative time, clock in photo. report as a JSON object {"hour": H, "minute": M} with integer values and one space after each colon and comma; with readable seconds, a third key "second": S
{"hour": 10, "minute": 29}
